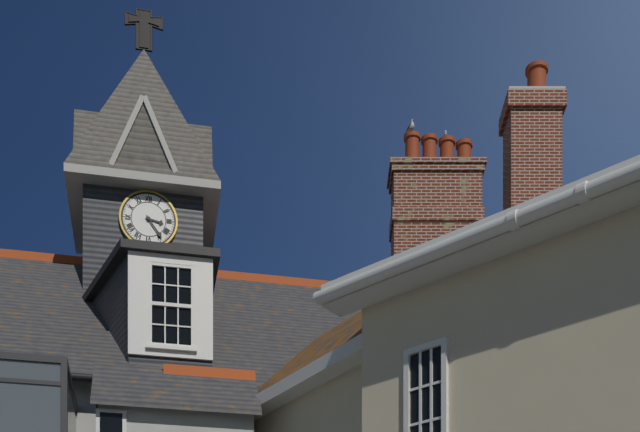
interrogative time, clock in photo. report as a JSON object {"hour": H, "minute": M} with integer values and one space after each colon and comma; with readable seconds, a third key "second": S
{"hour": 3, "minute": 24}
